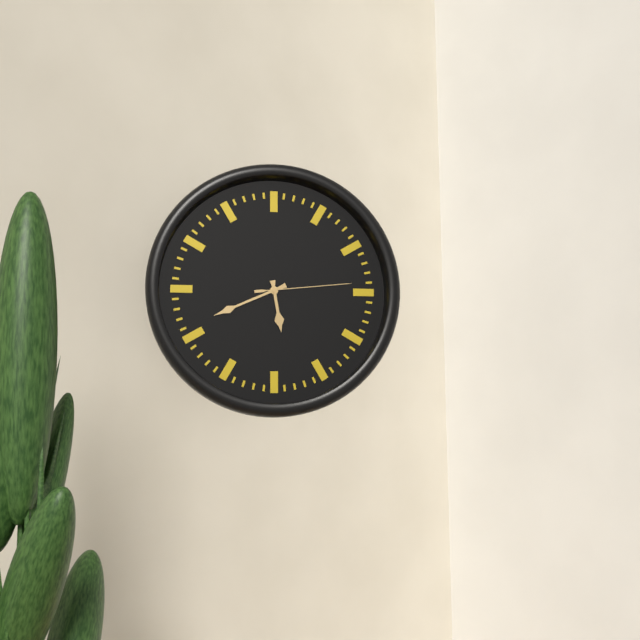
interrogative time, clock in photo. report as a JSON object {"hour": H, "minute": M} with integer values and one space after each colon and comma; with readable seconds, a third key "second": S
{"hour": 5, "minute": 41, "second": 14}
